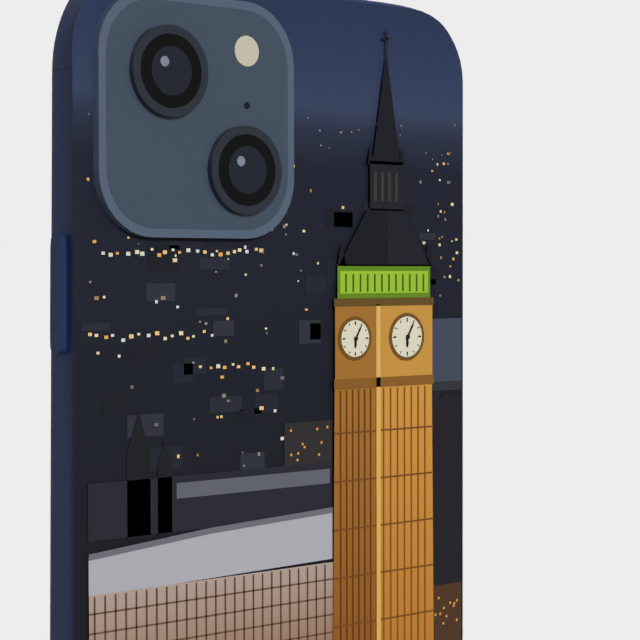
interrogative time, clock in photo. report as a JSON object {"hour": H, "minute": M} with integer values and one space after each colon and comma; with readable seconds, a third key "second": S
{"hour": 6, "minute": 5}
